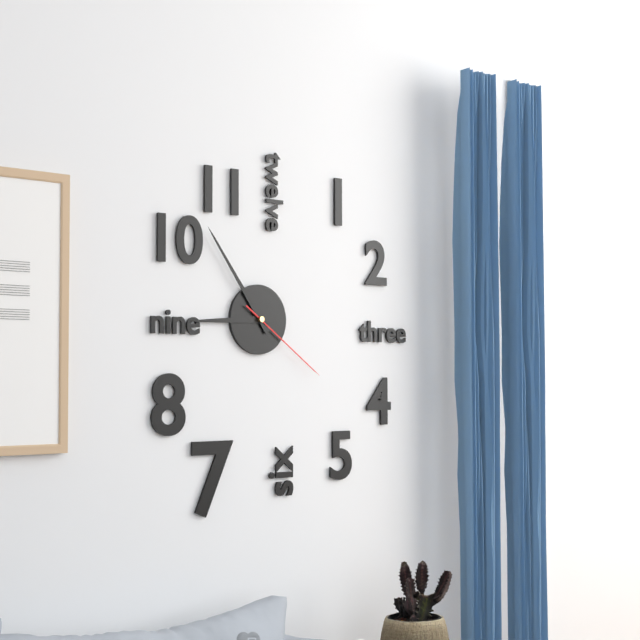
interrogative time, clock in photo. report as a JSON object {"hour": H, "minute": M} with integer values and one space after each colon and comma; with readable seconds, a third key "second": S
{"hour": 8, "minute": 54, "second": 21}
